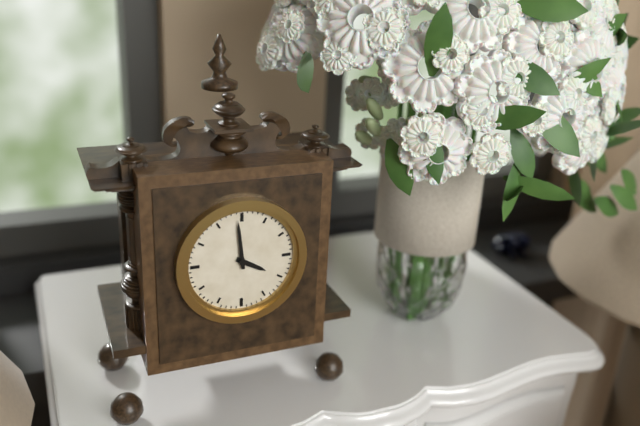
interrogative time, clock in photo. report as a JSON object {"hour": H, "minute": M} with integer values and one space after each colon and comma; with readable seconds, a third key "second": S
{"hour": 3, "minute": 59}
